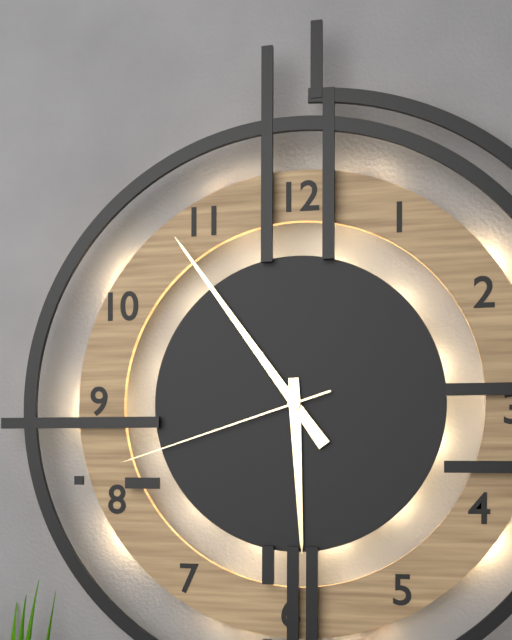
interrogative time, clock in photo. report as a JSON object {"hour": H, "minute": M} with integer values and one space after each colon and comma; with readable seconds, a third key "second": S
{"hour": 5, "minute": 54, "second": 42}
